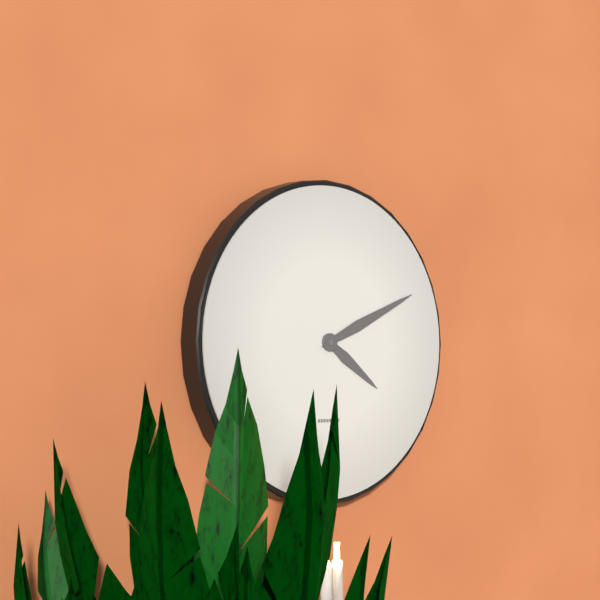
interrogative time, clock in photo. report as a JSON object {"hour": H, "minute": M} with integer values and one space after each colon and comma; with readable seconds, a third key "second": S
{"hour": 4, "minute": 11}
